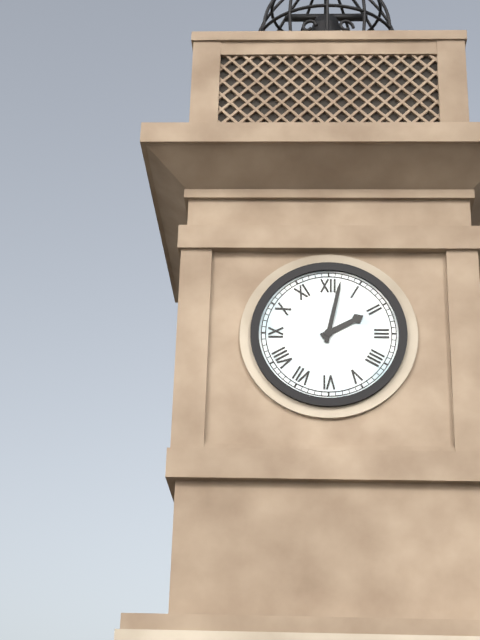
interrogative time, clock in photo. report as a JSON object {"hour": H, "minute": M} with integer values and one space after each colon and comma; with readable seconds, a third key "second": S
{"hour": 2, "minute": 2}
